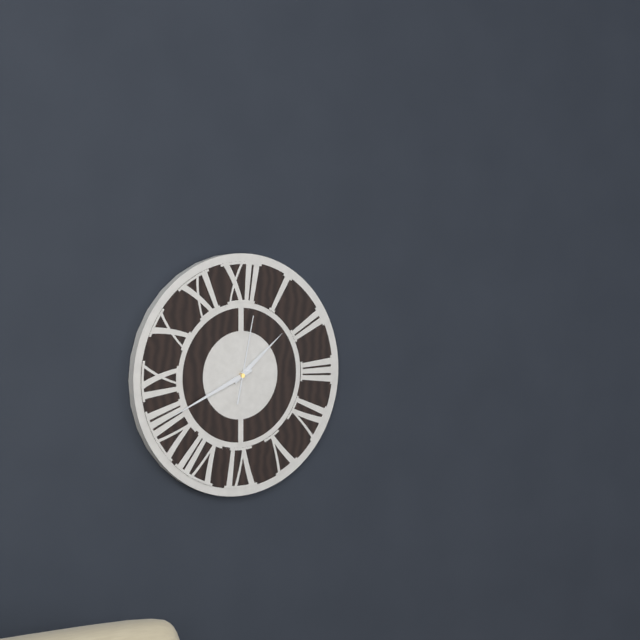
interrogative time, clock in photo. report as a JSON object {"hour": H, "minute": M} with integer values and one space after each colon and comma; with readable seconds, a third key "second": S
{"hour": 1, "minute": 41, "second": 2}
